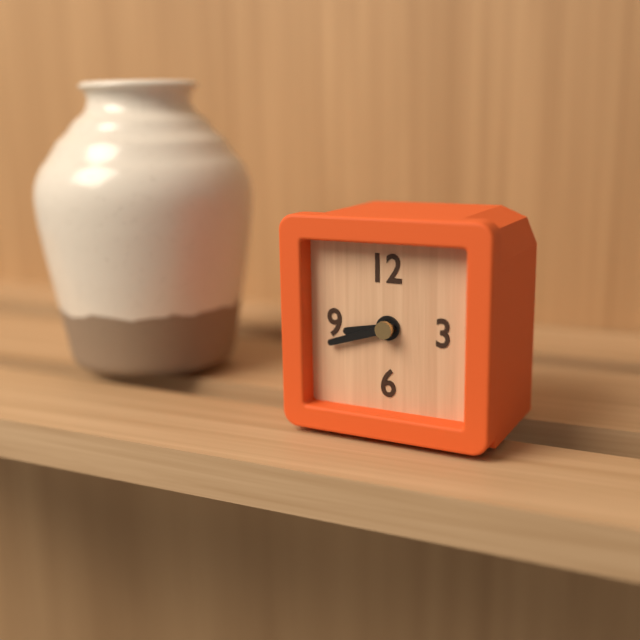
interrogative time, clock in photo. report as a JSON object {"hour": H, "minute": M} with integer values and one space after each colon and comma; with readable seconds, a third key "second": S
{"hour": 8, "minute": 42}
